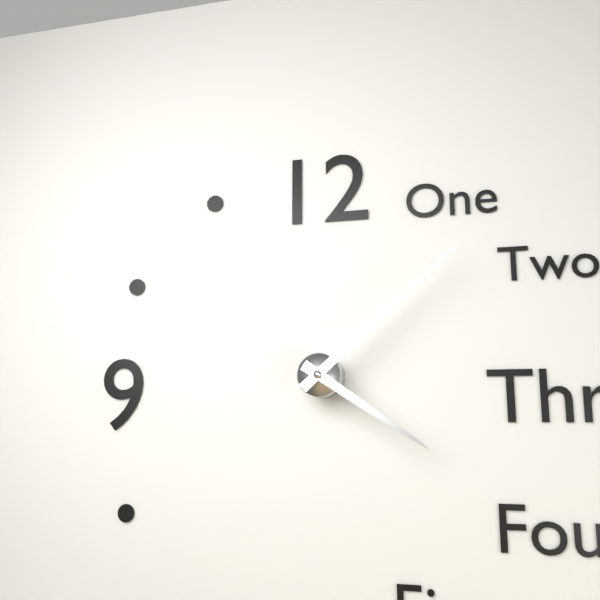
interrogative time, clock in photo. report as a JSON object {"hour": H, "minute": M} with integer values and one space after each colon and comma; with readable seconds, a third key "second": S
{"hour": 4, "minute": 8}
